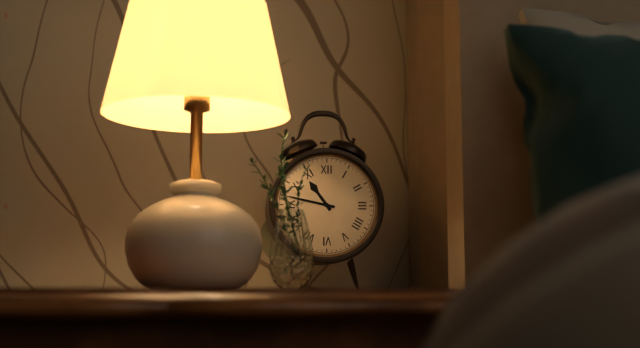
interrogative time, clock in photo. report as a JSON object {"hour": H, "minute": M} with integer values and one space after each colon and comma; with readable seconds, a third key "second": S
{"hour": 10, "minute": 47}
